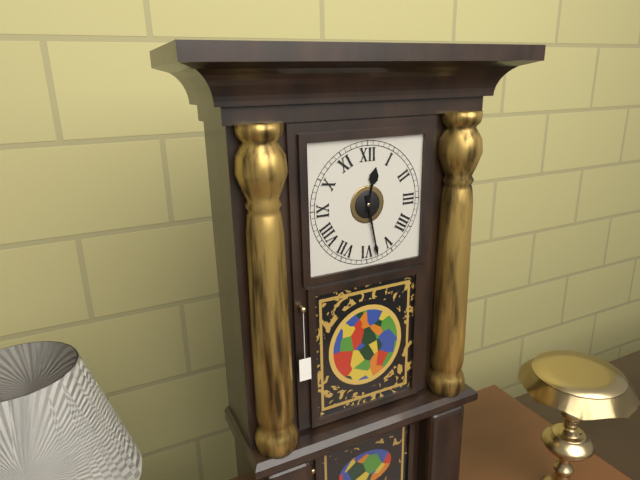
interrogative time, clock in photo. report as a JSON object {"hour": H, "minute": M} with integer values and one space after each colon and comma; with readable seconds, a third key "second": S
{"hour": 12, "minute": 28}
